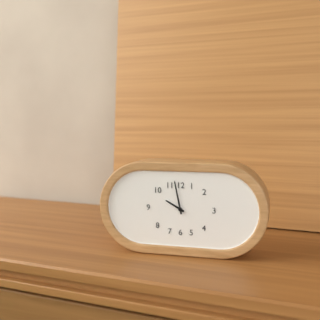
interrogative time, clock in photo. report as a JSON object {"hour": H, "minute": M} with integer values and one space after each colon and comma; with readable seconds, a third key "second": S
{"hour": 9, "minute": 58}
